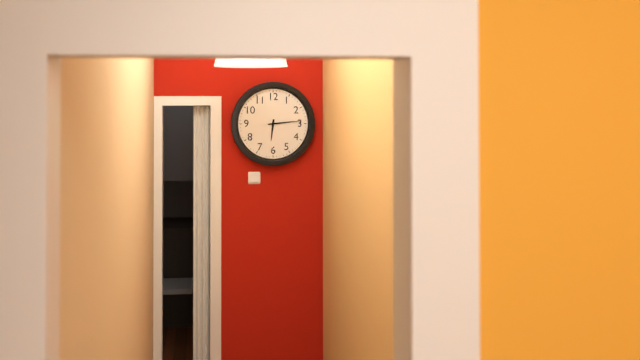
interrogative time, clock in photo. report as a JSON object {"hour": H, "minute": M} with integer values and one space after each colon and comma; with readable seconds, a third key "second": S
{"hour": 6, "minute": 14}
